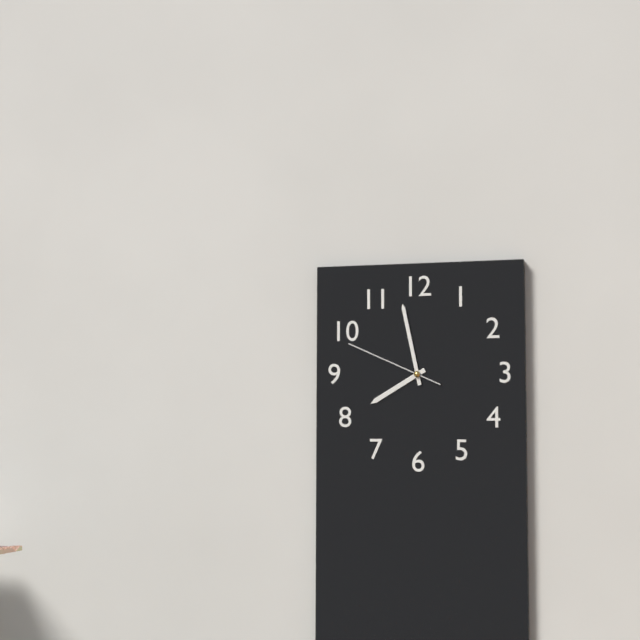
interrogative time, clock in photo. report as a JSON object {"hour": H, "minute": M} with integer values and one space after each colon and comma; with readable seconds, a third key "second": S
{"hour": 7, "minute": 58, "second": 49}
